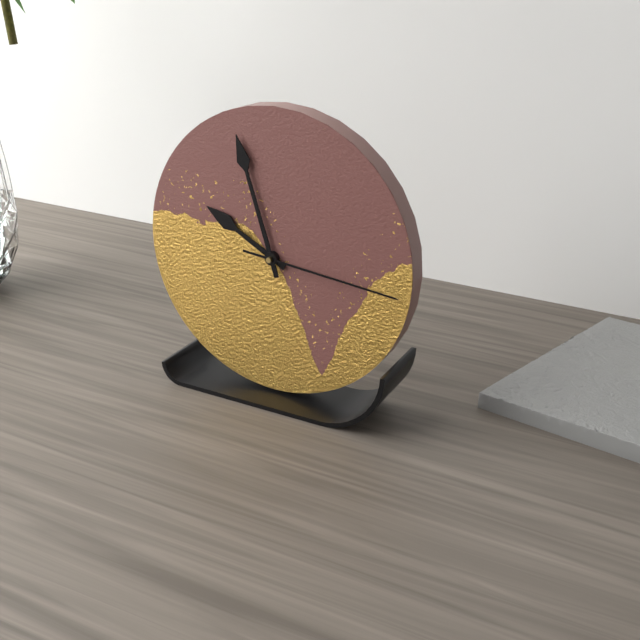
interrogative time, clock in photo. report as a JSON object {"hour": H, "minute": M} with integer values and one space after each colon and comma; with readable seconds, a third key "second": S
{"hour": 9, "minute": 57, "second": 16}
